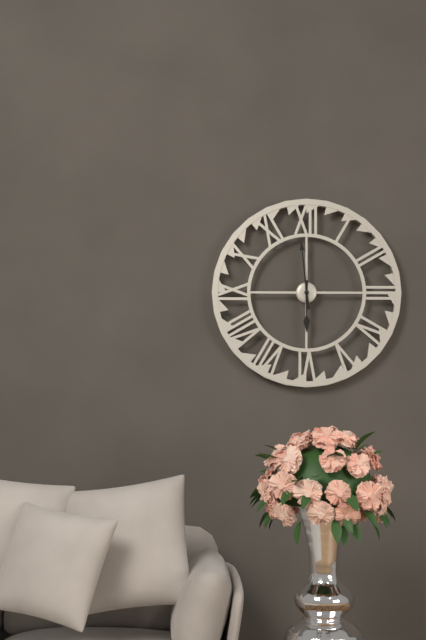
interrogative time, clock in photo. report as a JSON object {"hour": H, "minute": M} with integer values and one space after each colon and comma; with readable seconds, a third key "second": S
{"hour": 5, "minute": 59}
